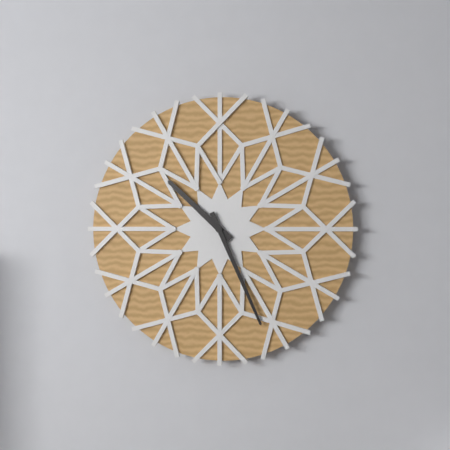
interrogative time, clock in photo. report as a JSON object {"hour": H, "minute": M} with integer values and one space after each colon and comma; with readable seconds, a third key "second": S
{"hour": 10, "minute": 26}
